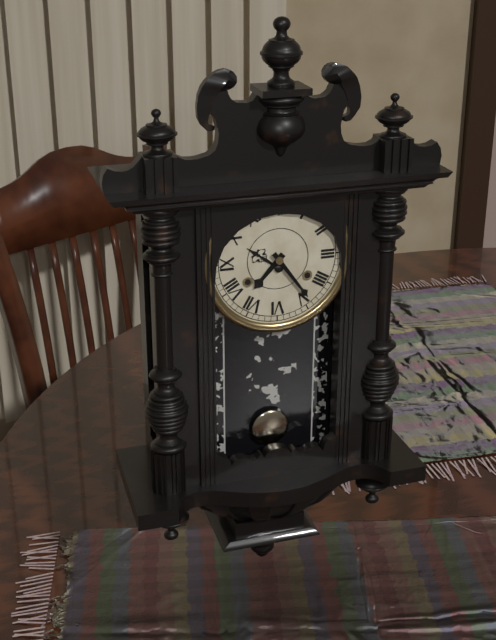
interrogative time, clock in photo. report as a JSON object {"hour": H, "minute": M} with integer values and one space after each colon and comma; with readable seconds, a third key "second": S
{"hour": 7, "minute": 24}
